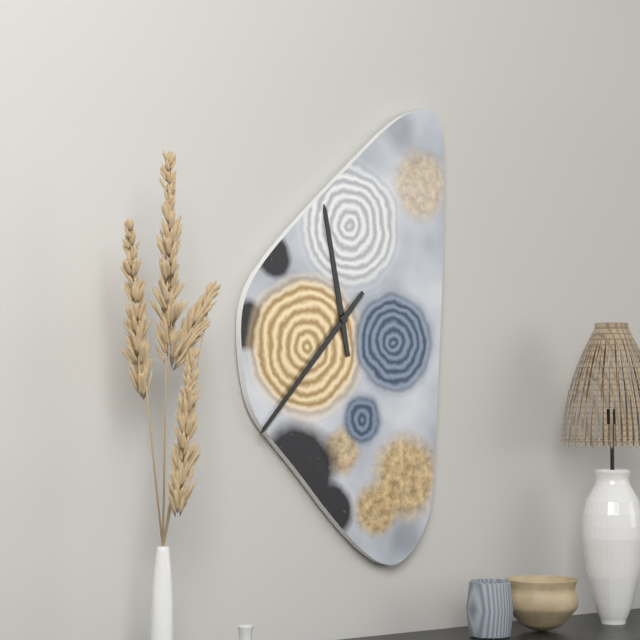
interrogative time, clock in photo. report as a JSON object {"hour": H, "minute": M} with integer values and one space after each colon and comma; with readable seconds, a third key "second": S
{"hour": 11, "minute": 37}
